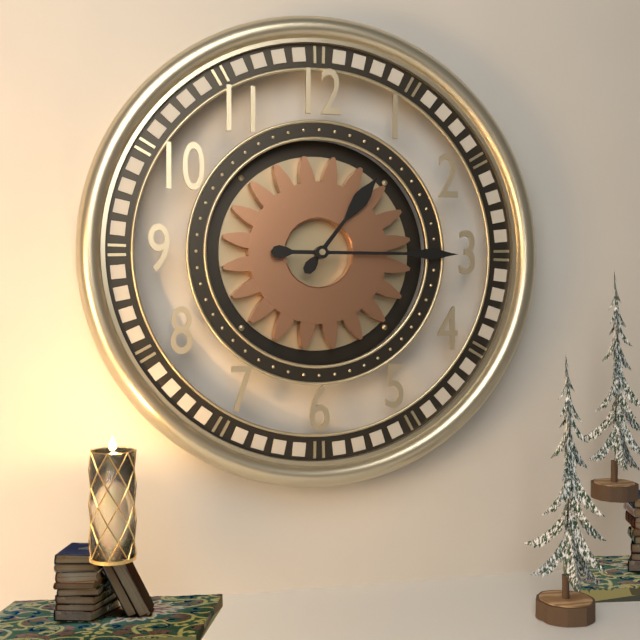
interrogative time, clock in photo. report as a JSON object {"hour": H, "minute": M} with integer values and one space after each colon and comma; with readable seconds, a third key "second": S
{"hour": 1, "minute": 15}
